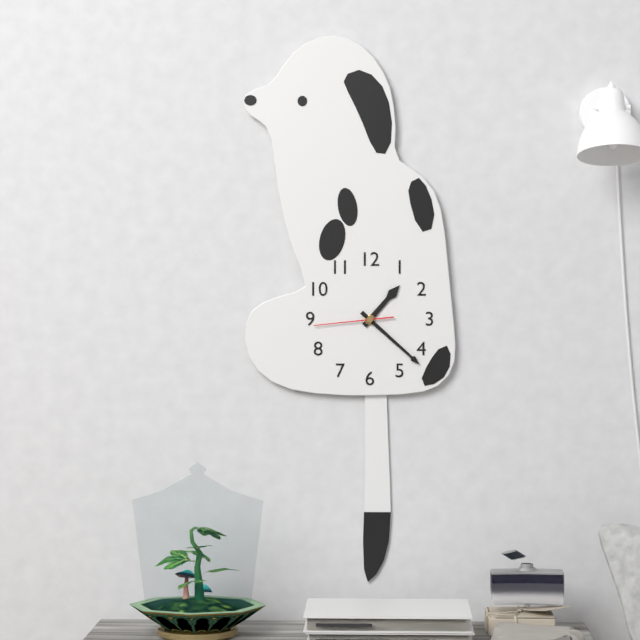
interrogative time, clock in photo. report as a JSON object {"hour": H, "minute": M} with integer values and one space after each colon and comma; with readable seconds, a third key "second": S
{"hour": 1, "minute": 22, "second": 44}
